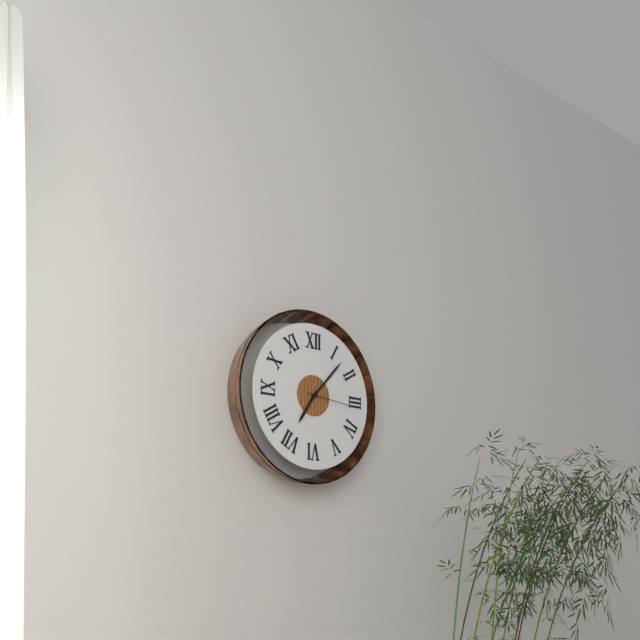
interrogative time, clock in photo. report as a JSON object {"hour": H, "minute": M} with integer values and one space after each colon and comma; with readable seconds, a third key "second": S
{"hour": 7, "minute": 7, "second": 16}
